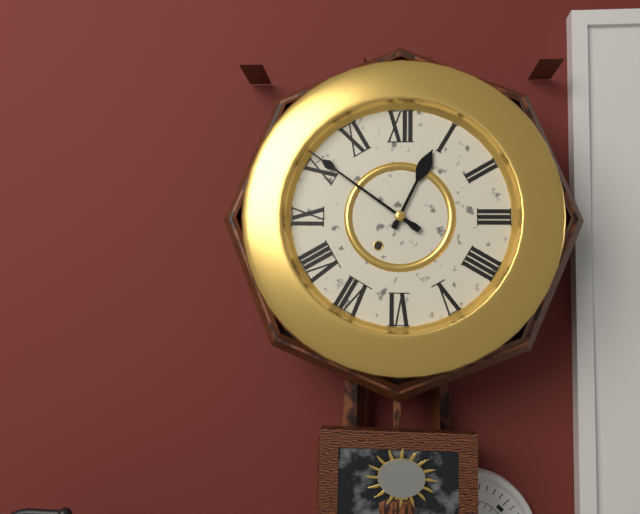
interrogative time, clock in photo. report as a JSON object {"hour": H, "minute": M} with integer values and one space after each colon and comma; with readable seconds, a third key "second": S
{"hour": 12, "minute": 51}
